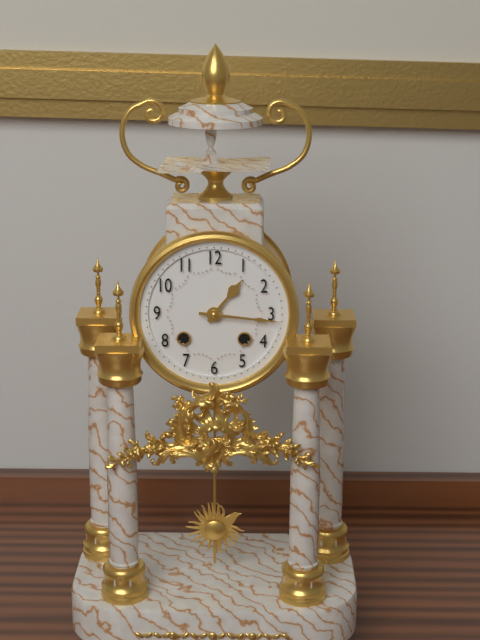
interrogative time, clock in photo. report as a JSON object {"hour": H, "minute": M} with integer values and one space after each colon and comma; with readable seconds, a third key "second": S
{"hour": 1, "minute": 16}
